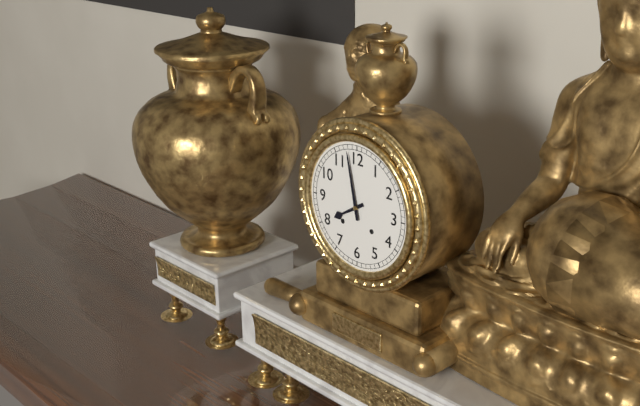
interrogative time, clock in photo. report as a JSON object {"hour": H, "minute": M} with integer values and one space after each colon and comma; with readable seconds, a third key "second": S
{"hour": 7, "minute": 58}
